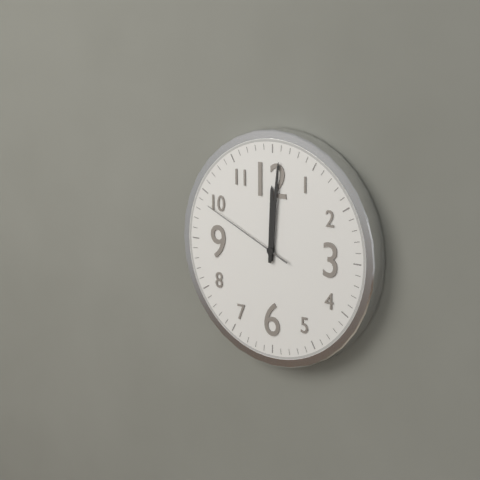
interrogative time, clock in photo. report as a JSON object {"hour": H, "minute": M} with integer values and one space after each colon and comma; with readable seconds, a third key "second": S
{"hour": 12, "minute": 1, "second": 49}
